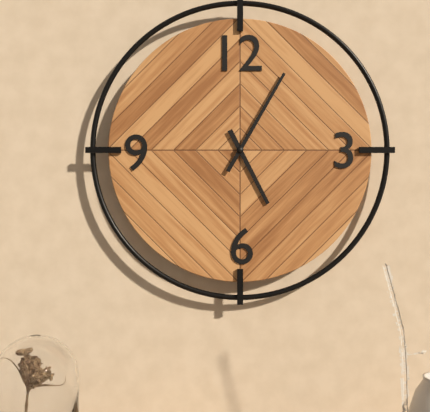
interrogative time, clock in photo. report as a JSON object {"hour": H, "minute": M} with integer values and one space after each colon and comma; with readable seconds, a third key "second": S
{"hour": 5, "minute": 5}
